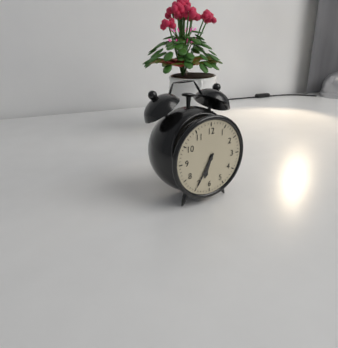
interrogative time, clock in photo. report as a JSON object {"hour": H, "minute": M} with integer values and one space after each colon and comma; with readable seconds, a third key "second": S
{"hour": 6, "minute": 35}
